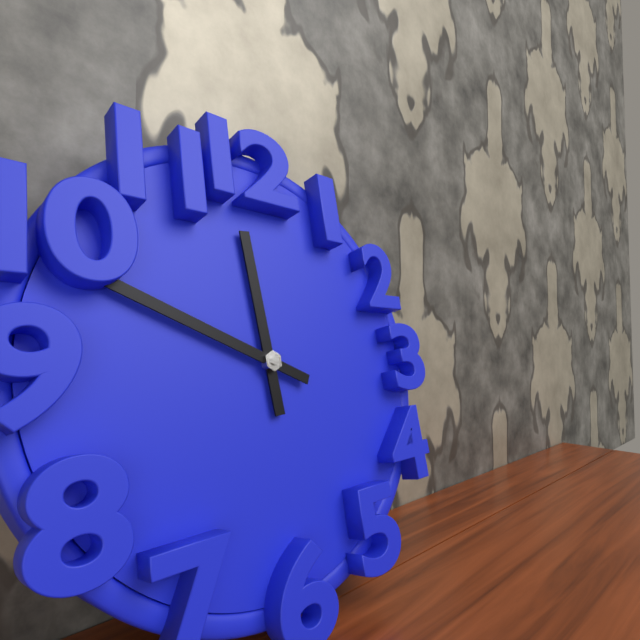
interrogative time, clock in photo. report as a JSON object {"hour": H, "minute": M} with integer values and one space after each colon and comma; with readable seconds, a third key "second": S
{"hour": 11, "minute": 49}
